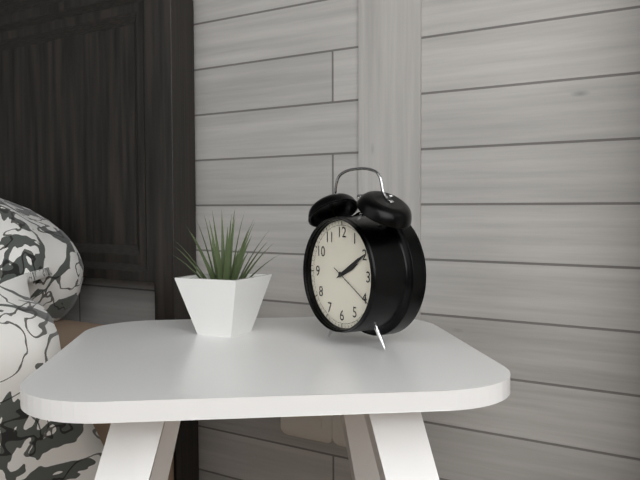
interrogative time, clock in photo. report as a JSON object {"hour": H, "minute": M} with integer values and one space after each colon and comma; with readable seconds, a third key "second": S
{"hour": 2, "minute": 10, "second": 20}
